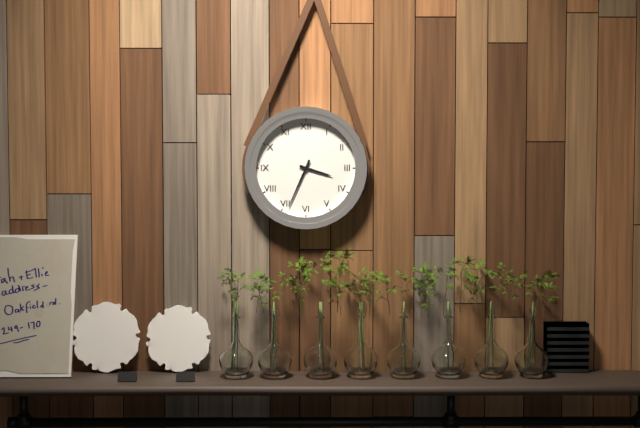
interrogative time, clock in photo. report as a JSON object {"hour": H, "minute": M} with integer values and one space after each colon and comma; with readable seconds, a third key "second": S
{"hour": 3, "minute": 34}
